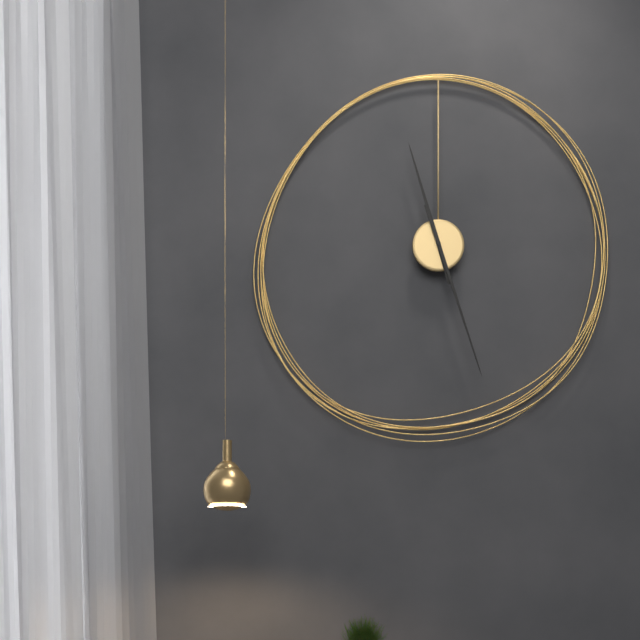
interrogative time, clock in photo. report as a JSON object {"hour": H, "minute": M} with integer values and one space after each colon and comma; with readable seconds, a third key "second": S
{"hour": 11, "minute": 27}
